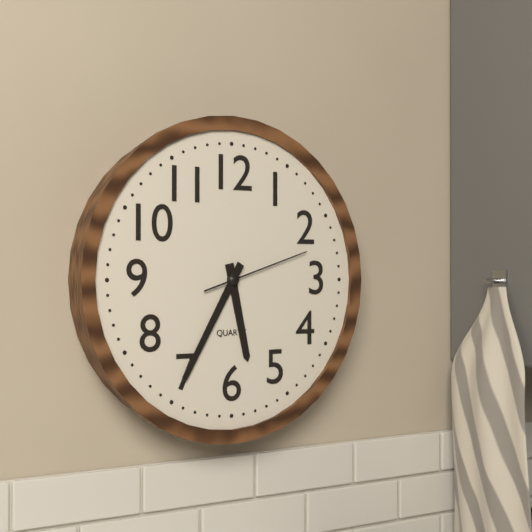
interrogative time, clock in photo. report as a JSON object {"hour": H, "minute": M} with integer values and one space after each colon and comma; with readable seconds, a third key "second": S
{"hour": 5, "minute": 35, "second": 12}
